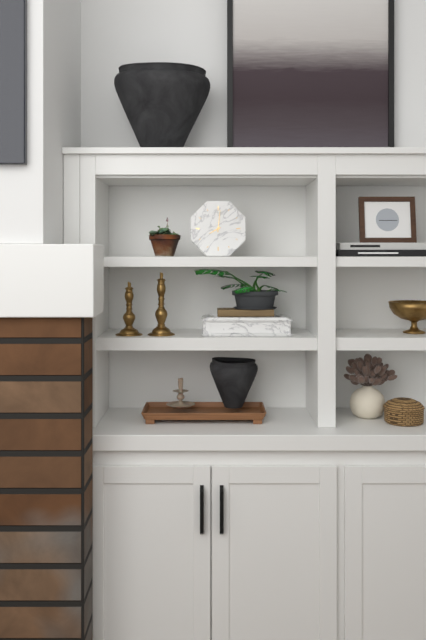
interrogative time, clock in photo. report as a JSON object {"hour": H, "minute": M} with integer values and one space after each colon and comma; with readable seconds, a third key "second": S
{"hour": 8, "minute": 1}
